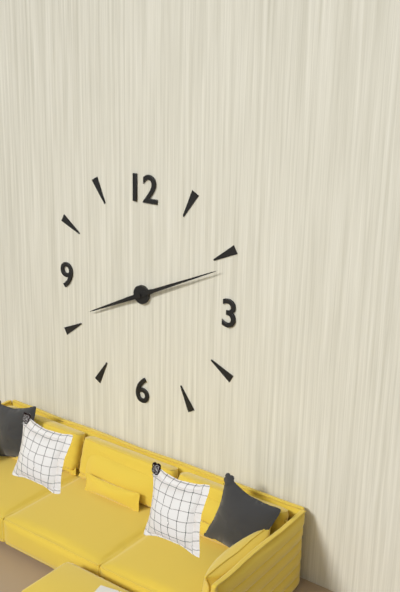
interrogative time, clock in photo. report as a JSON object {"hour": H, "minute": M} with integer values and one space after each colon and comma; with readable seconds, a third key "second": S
{"hour": 8, "minute": 11}
